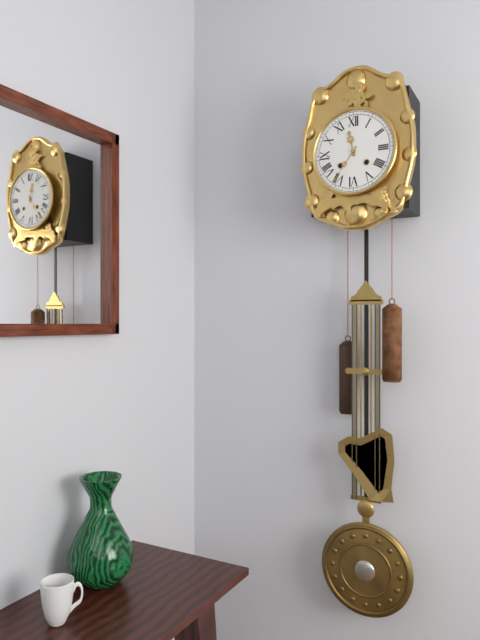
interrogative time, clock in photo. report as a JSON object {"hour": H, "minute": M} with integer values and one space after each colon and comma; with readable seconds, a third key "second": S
{"hour": 11, "minute": 36}
